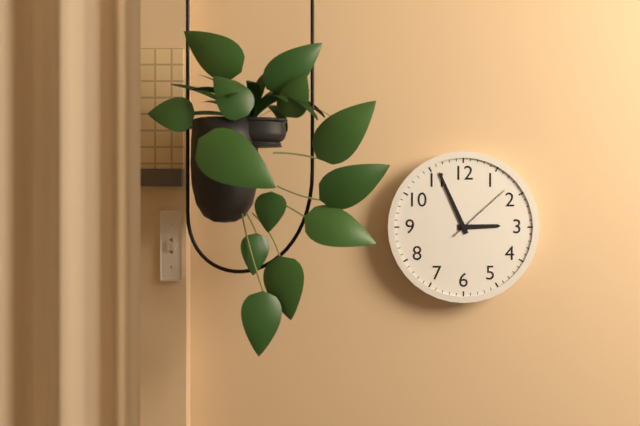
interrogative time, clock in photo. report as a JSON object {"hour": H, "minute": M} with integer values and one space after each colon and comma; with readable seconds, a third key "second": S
{"hour": 2, "minute": 56, "second": 8}
